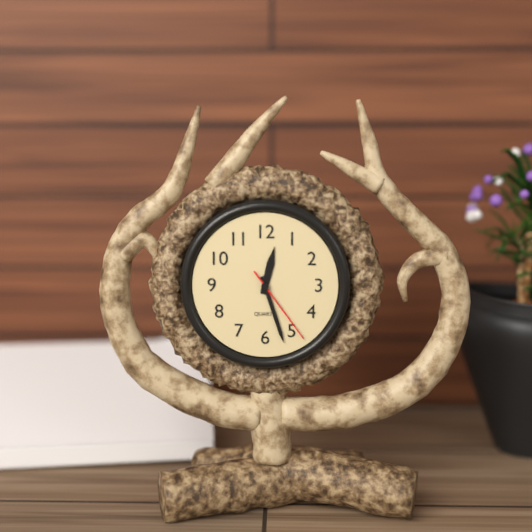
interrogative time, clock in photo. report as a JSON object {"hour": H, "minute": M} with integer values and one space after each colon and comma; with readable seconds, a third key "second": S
{"hour": 12, "minute": 27, "second": 24}
